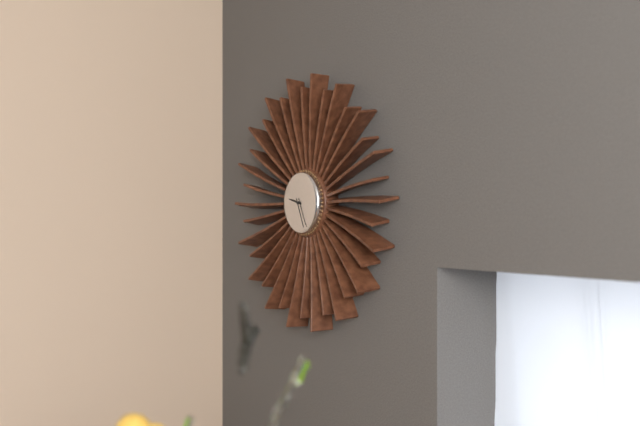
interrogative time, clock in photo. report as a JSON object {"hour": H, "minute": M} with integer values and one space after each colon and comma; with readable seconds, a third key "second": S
{"hour": 9, "minute": 26}
